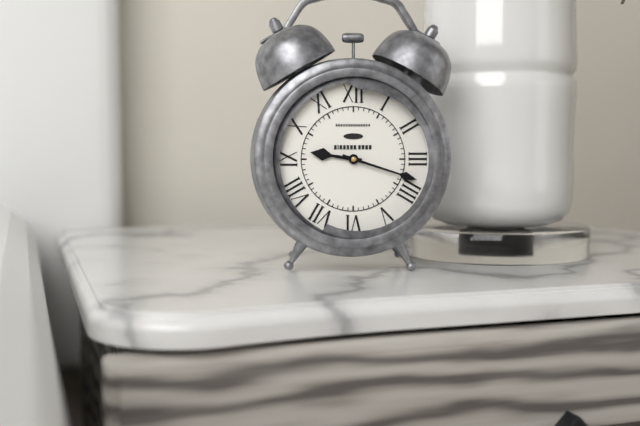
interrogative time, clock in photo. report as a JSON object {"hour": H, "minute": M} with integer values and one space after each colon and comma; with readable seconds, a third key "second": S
{"hour": 9, "minute": 18}
